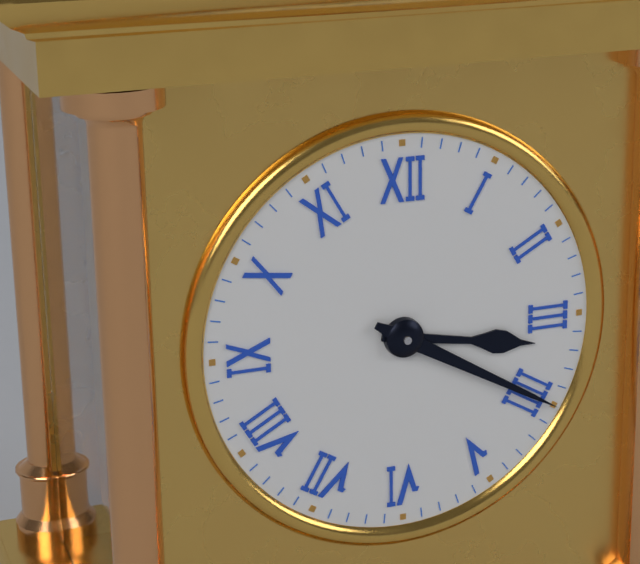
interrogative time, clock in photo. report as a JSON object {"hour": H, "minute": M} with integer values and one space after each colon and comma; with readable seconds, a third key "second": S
{"hour": 3, "minute": 20}
